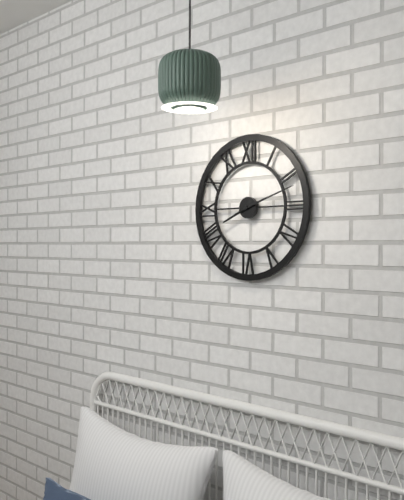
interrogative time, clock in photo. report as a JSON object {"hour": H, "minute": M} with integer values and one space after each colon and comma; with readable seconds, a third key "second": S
{"hour": 8, "minute": 12}
